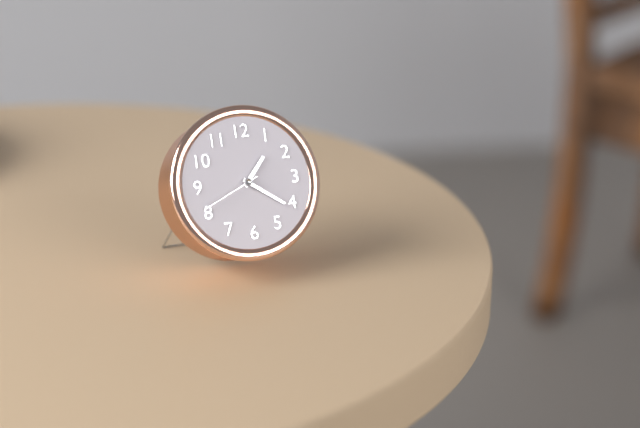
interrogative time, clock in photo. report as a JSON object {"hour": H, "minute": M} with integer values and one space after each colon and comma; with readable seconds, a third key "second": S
{"hour": 1, "minute": 21, "second": 41}
